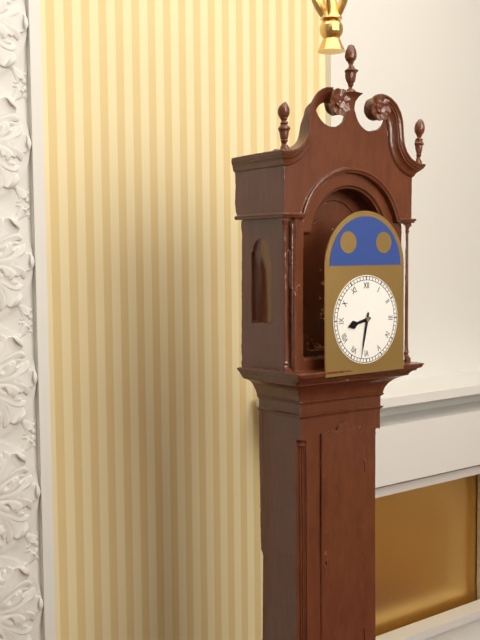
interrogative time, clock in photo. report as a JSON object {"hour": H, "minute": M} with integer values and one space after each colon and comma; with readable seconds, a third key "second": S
{"hour": 8, "minute": 32}
